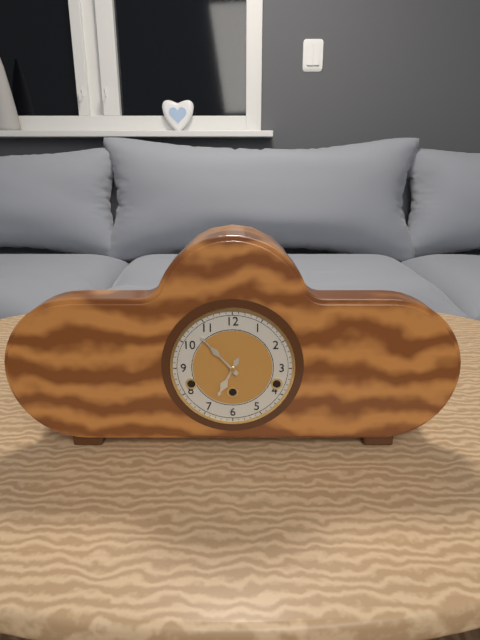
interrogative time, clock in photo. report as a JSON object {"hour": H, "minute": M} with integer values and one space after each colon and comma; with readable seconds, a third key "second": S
{"hour": 6, "minute": 53}
